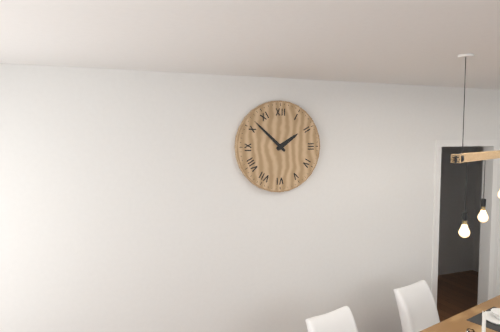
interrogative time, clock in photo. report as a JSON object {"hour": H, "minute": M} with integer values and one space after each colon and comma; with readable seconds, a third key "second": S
{"hour": 1, "minute": 52}
